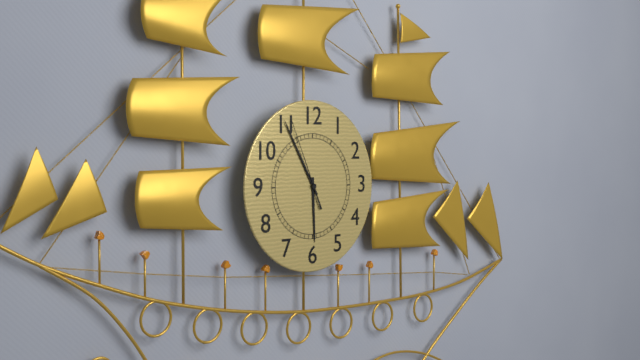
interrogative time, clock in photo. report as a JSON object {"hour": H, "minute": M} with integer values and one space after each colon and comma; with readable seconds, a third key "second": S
{"hour": 5, "minute": 55, "second": 56}
